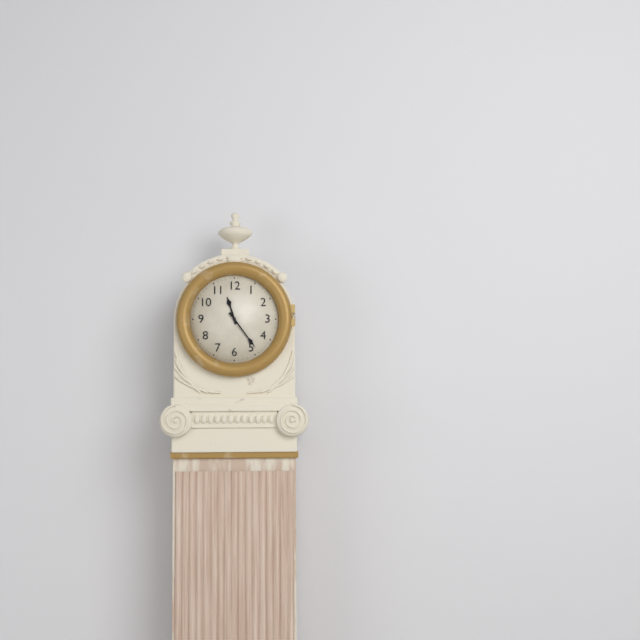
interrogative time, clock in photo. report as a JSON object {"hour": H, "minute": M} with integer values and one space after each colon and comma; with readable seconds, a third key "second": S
{"hour": 11, "minute": 24}
